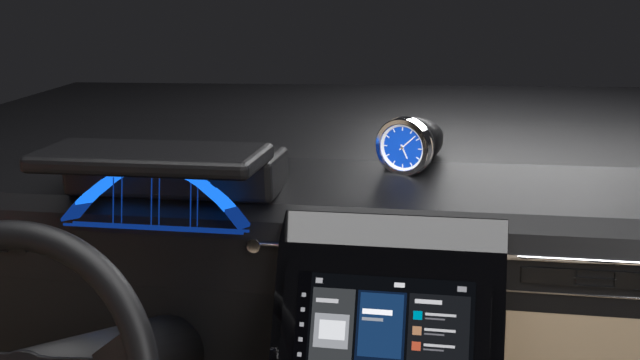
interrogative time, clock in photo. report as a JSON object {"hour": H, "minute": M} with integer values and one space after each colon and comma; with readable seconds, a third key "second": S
{"hour": 5, "minute": 8}
